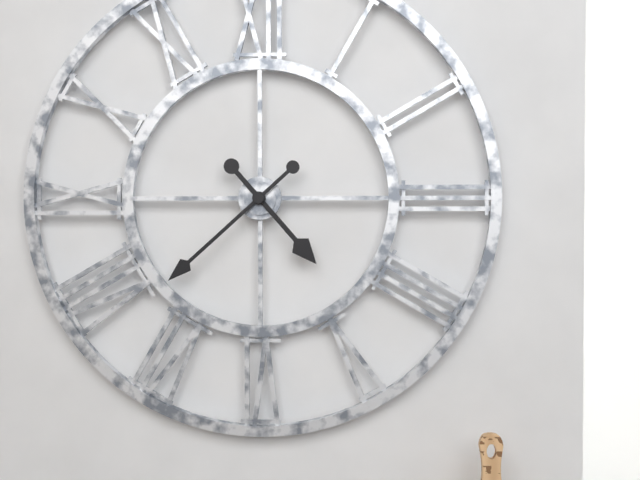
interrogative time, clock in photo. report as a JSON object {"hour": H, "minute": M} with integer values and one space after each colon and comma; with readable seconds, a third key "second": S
{"hour": 4, "minute": 38}
